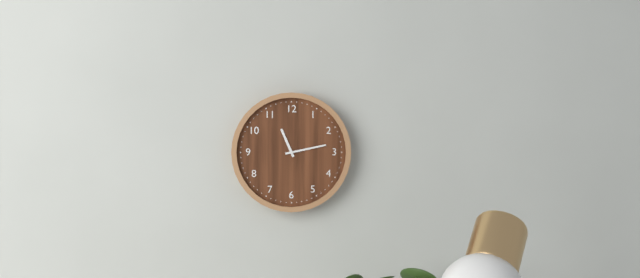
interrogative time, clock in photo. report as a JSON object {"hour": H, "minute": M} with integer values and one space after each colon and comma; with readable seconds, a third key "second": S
{"hour": 11, "minute": 13}
